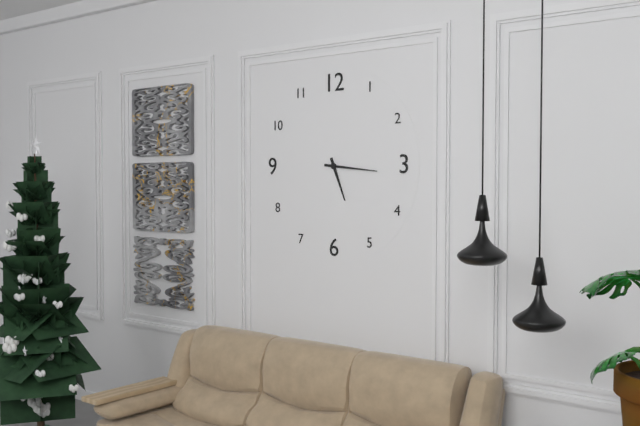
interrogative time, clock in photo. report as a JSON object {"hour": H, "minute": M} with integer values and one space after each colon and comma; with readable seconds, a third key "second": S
{"hour": 5, "minute": 16}
